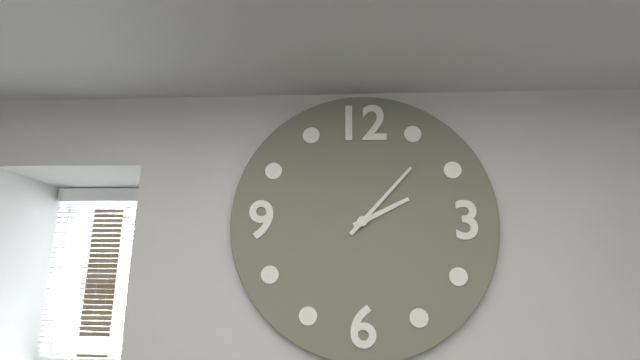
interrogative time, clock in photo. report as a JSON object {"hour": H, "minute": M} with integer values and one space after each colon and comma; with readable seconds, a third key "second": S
{"hour": 2, "minute": 7}
